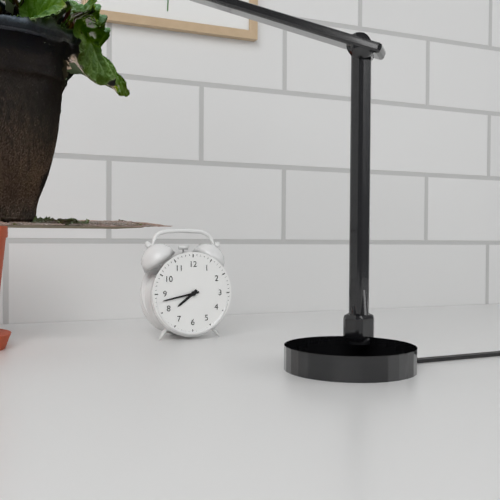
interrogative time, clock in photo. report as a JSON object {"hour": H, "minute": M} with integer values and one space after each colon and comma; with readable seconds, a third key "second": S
{"hour": 7, "minute": 43}
